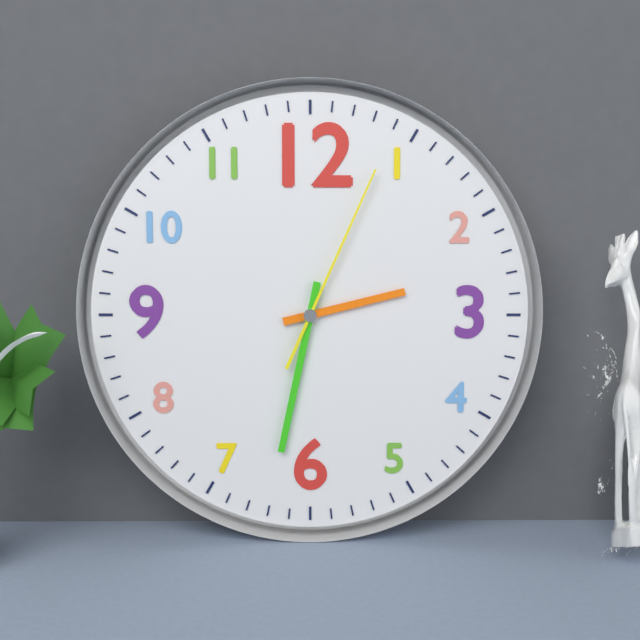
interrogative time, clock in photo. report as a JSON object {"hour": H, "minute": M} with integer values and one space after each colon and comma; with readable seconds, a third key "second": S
{"hour": 2, "minute": 32, "second": 4}
